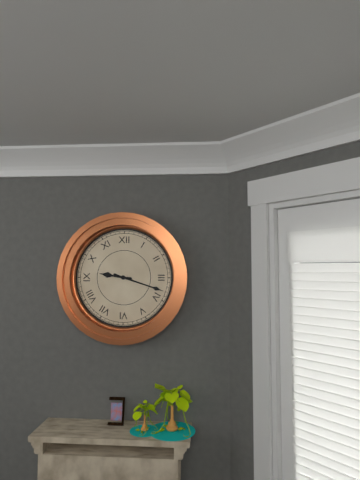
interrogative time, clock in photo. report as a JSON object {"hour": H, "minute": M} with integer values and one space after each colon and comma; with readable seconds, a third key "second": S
{"hour": 9, "minute": 18}
